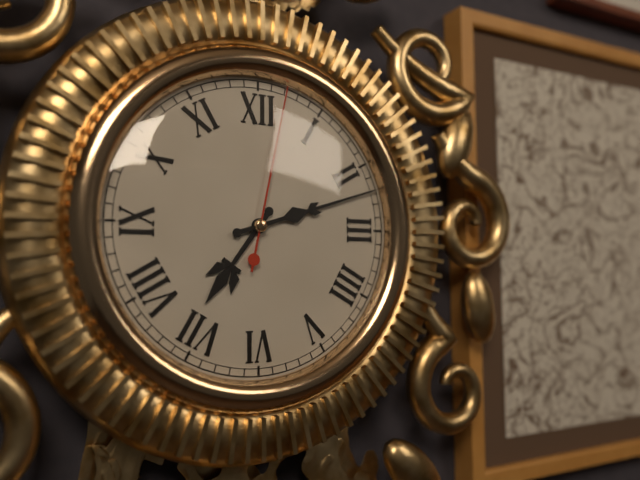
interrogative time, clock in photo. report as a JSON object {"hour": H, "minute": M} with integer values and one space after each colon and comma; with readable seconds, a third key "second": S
{"hour": 7, "minute": 12, "second": 2}
